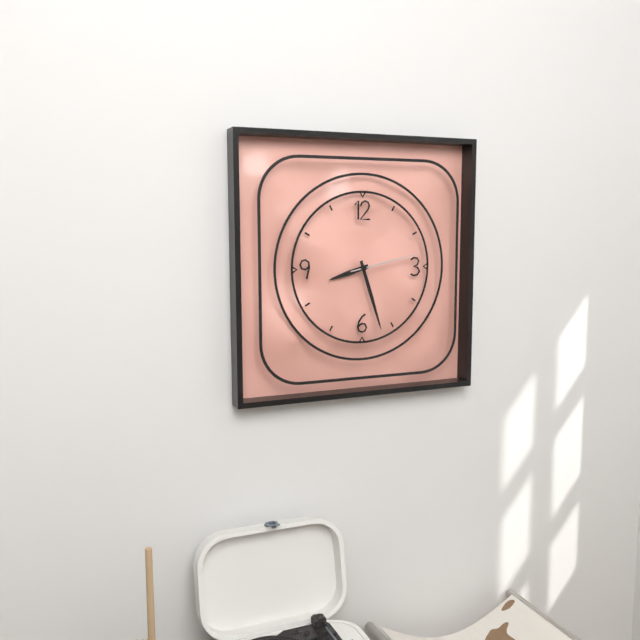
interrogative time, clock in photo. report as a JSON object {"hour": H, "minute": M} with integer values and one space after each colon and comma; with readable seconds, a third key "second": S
{"hour": 8, "minute": 27, "second": 13}
